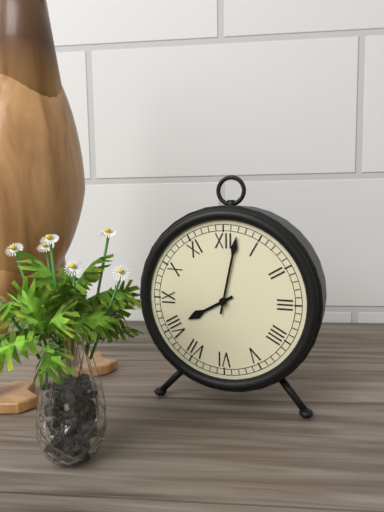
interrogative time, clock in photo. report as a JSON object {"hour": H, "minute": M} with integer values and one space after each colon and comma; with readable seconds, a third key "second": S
{"hour": 8, "minute": 2}
